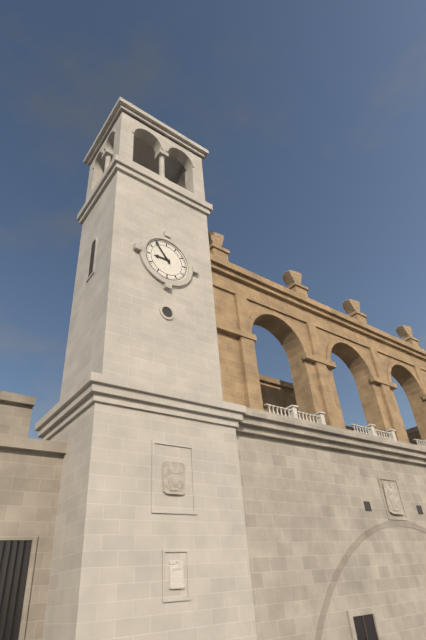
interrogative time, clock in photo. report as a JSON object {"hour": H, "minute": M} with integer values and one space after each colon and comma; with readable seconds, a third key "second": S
{"hour": 8, "minute": 54}
